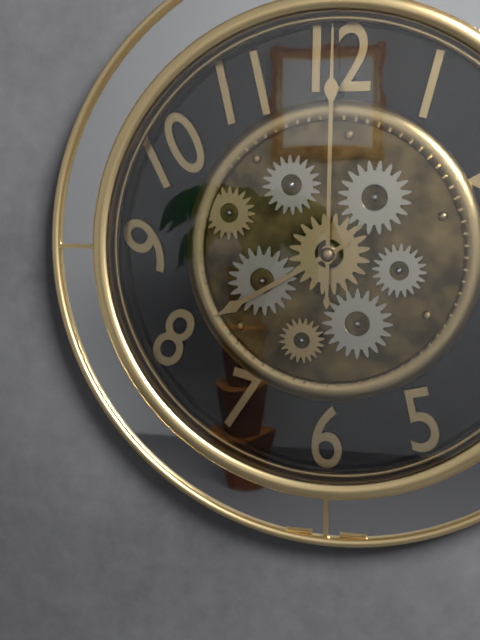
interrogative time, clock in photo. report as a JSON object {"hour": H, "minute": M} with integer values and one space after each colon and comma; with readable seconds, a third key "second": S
{"hour": 8, "minute": 0}
